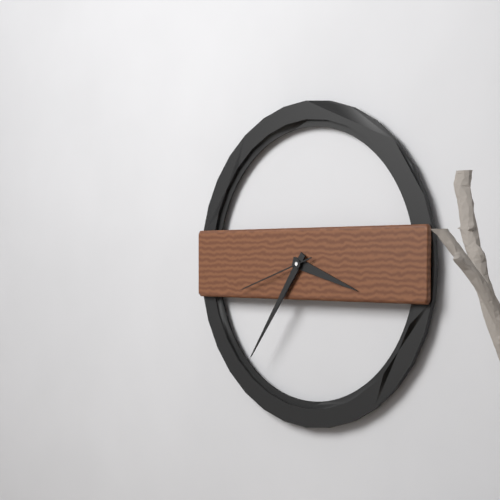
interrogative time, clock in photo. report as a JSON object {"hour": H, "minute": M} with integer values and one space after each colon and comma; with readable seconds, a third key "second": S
{"hour": 3, "minute": 36, "second": 42}
